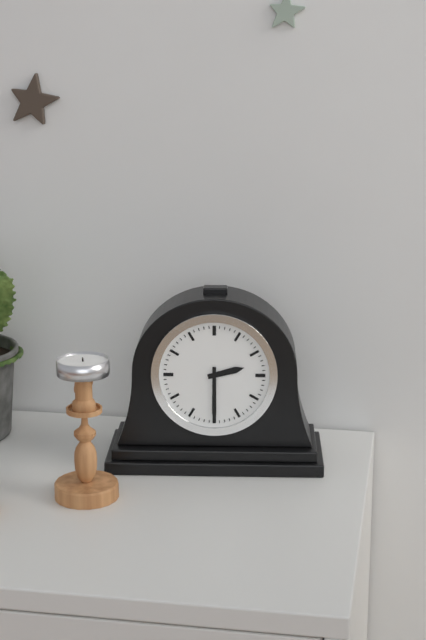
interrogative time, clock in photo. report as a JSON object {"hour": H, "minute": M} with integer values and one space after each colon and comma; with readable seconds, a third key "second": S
{"hour": 2, "minute": 30}
